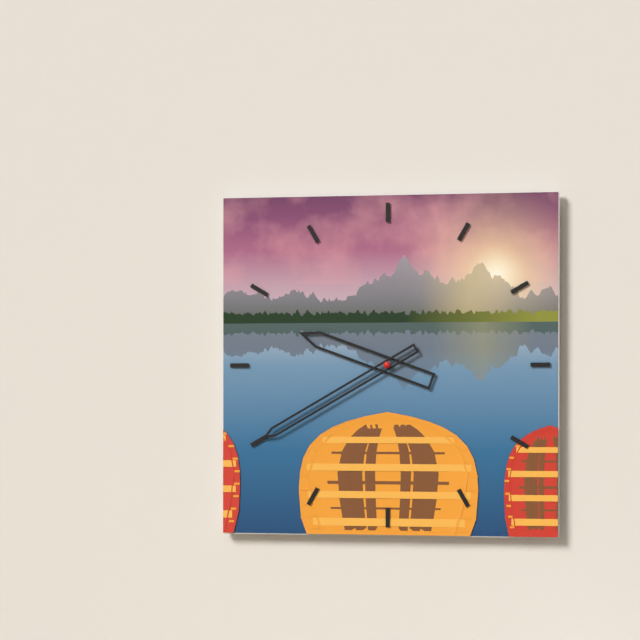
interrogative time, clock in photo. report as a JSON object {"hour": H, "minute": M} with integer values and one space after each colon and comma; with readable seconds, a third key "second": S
{"hour": 9, "minute": 40}
